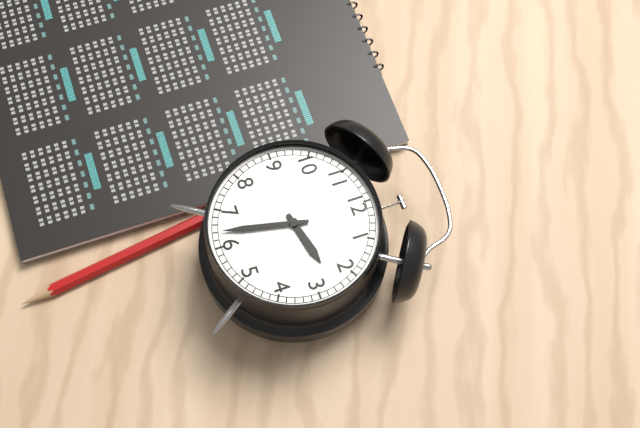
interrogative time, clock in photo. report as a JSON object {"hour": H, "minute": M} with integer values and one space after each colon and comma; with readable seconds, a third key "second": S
{"hour": 2, "minute": 32}
